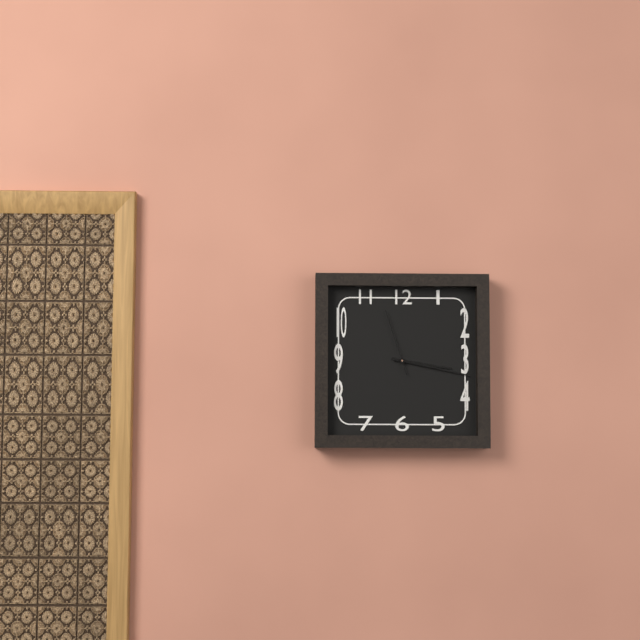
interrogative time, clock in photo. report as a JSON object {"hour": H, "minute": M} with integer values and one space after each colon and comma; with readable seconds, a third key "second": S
{"hour": 3, "minute": 17, "second": 57}
